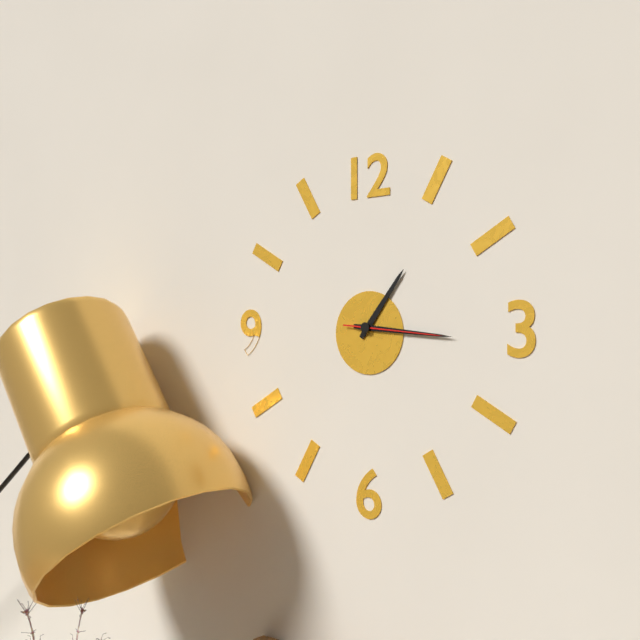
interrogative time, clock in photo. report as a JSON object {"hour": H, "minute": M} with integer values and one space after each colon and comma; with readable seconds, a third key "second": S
{"hour": 1, "minute": 16, "second": 16}
